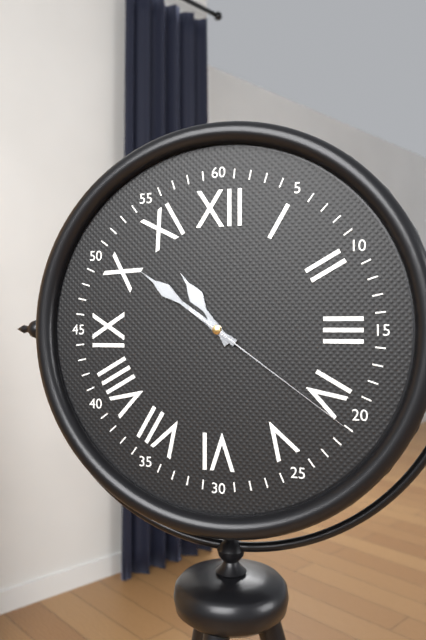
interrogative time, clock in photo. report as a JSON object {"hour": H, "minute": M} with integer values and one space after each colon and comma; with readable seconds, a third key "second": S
{"hour": 10, "minute": 51, "second": 21}
